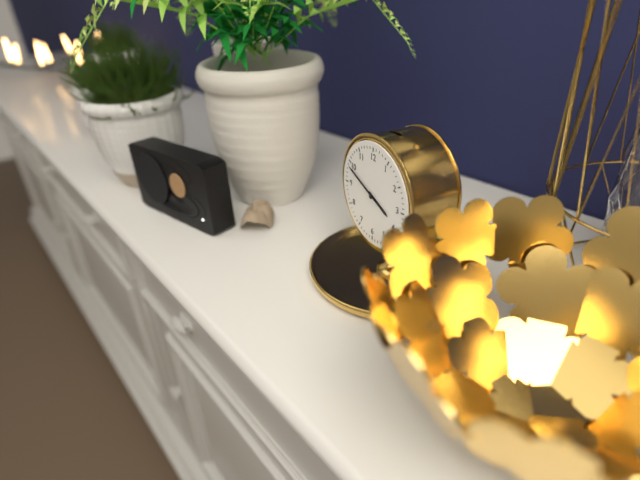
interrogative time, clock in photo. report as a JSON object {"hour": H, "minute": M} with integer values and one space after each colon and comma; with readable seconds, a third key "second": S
{"hour": 3, "minute": 49}
